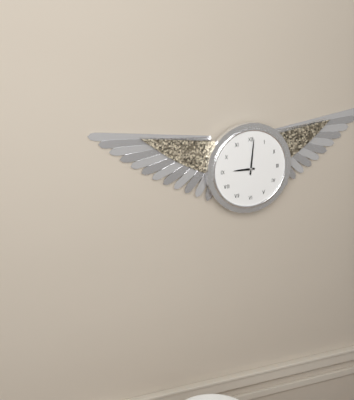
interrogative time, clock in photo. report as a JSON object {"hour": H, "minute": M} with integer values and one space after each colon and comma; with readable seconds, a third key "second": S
{"hour": 9, "minute": 1}
